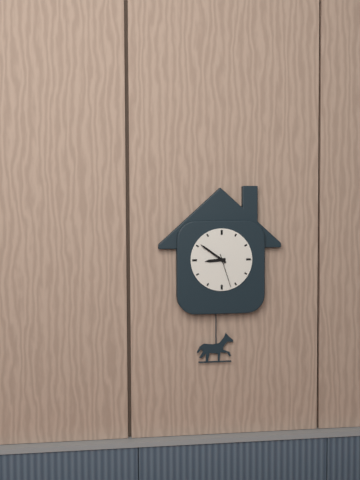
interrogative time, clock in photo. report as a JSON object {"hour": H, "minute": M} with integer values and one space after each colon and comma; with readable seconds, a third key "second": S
{"hour": 8, "minute": 51}
